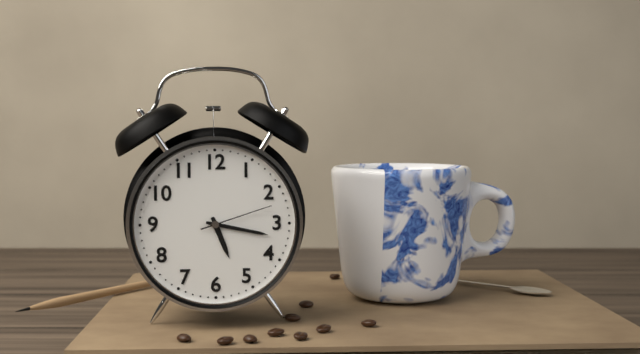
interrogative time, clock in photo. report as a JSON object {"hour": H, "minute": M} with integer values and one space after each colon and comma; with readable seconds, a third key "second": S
{"hour": 5, "minute": 17, "second": 12}
